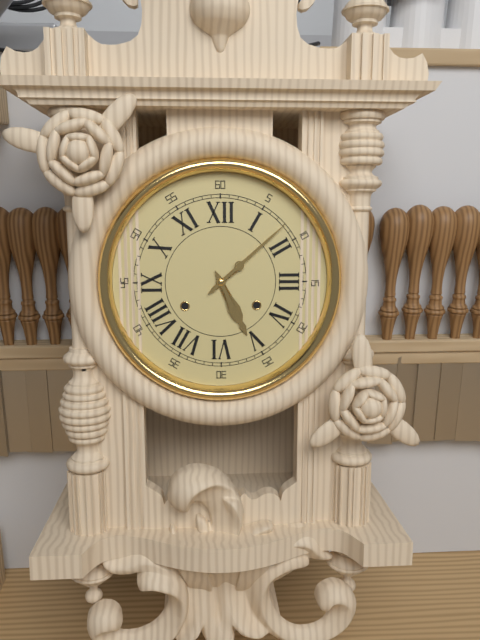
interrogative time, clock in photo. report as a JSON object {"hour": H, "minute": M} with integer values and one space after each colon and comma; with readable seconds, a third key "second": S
{"hour": 5, "minute": 8}
